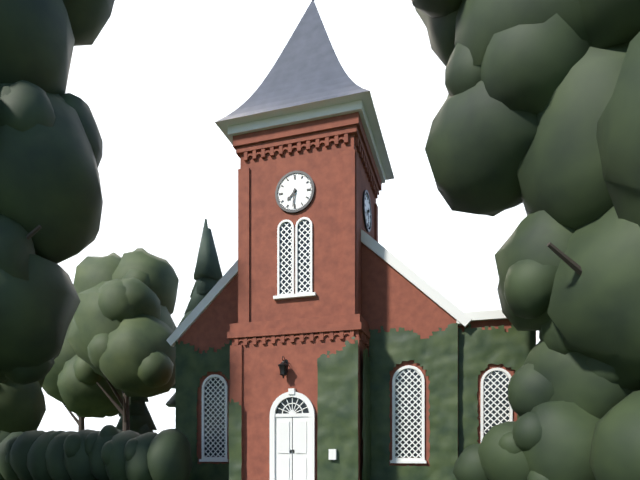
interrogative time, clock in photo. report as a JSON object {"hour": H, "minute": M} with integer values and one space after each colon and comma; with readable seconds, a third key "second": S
{"hour": 7, "minute": 31}
